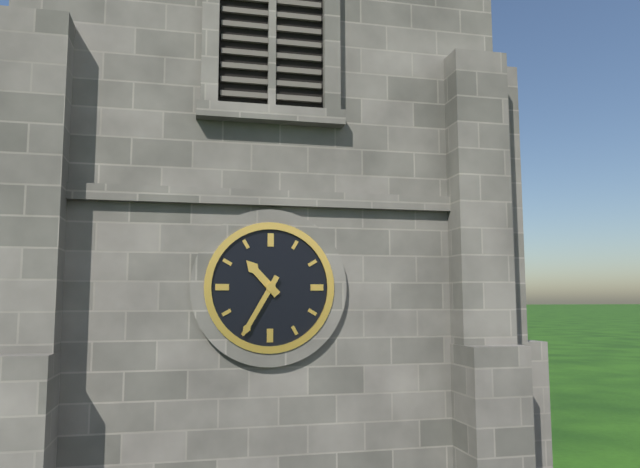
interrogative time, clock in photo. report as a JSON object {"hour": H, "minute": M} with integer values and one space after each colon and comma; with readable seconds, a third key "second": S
{"hour": 10, "minute": 35}
